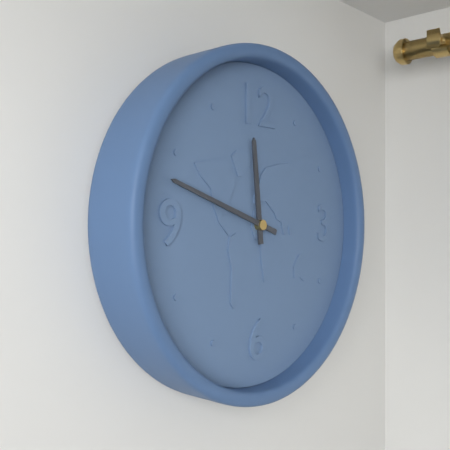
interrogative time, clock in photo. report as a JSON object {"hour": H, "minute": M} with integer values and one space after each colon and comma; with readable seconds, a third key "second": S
{"hour": 11, "minute": 48}
